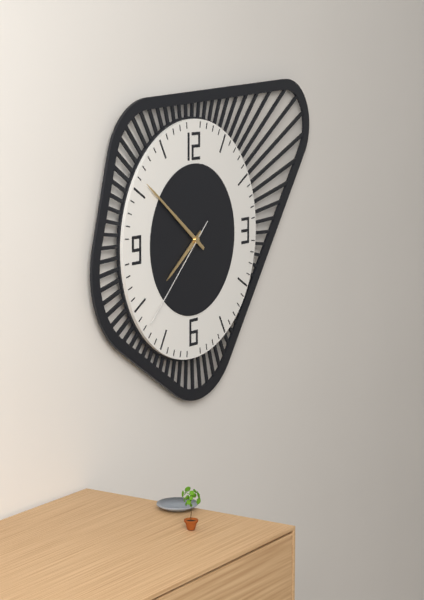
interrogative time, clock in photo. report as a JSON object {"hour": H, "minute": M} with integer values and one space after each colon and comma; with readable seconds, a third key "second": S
{"hour": 7, "minute": 51, "second": 38}
